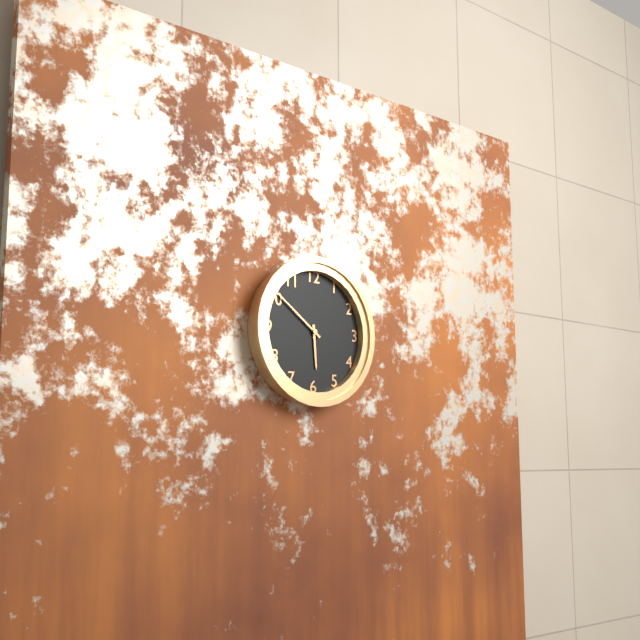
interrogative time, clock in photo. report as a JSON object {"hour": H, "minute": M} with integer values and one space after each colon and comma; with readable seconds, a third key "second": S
{"hour": 5, "minute": 51}
